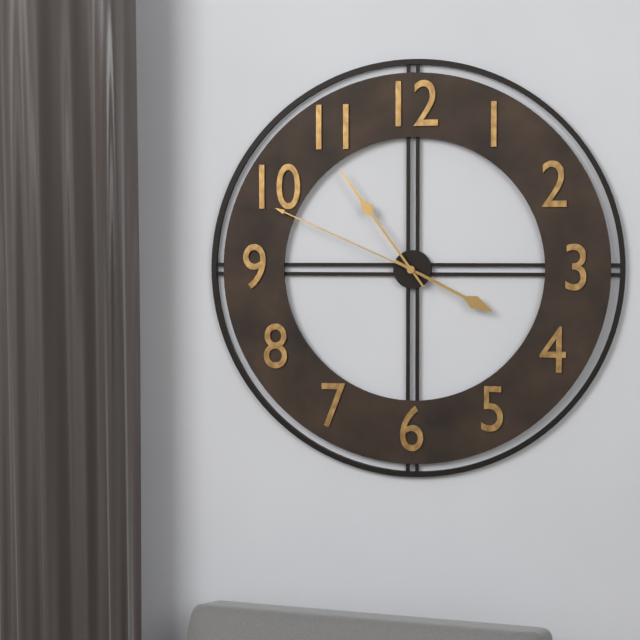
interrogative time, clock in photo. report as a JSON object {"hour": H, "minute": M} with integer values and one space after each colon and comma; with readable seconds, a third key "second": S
{"hour": 3, "minute": 54, "second": 49}
